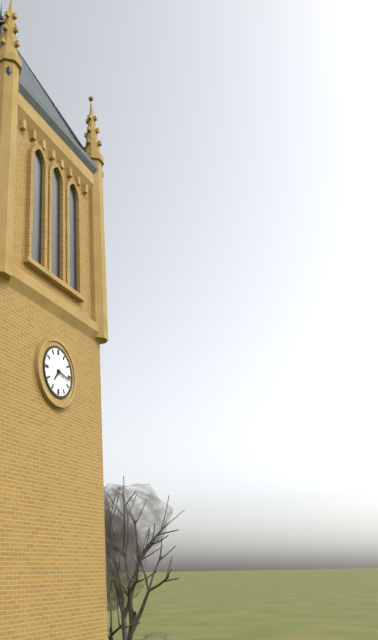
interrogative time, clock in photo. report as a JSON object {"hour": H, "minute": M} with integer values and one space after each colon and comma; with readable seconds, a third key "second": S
{"hour": 7, "minute": 17}
